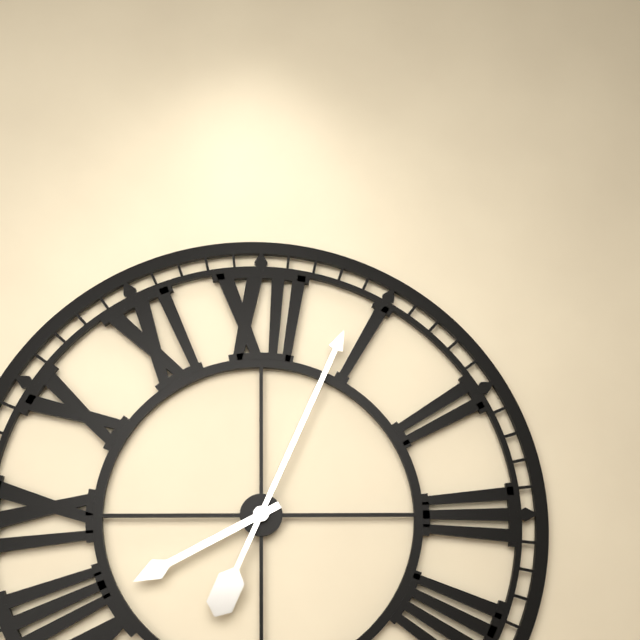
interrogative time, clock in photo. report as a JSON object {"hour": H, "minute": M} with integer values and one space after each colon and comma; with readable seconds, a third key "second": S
{"hour": 8, "minute": 4}
